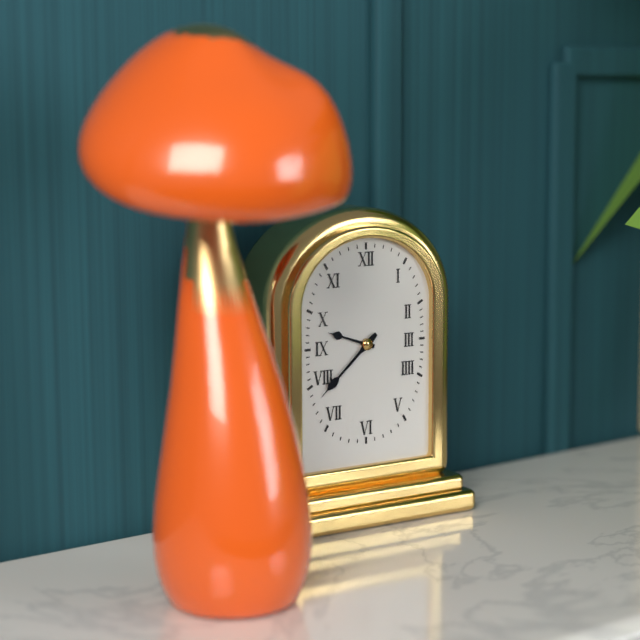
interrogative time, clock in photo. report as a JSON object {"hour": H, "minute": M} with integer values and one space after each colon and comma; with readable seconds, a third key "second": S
{"hour": 9, "minute": 38}
